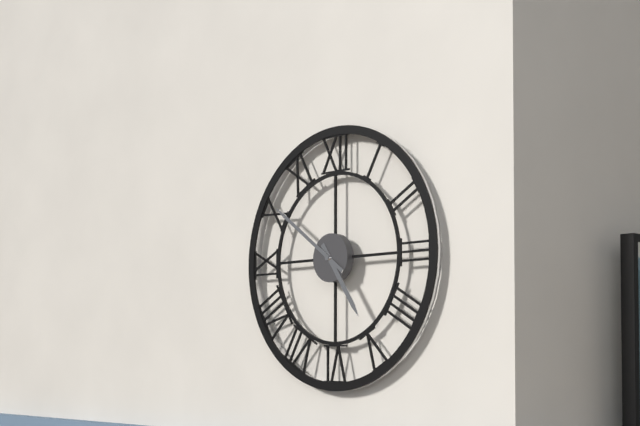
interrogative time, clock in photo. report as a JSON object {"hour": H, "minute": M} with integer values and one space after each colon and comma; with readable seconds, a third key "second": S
{"hour": 4, "minute": 51}
